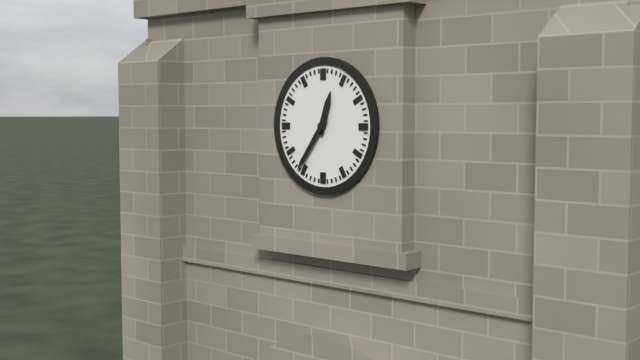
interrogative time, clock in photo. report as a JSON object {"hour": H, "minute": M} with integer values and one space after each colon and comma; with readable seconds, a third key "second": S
{"hour": 12, "minute": 36}
